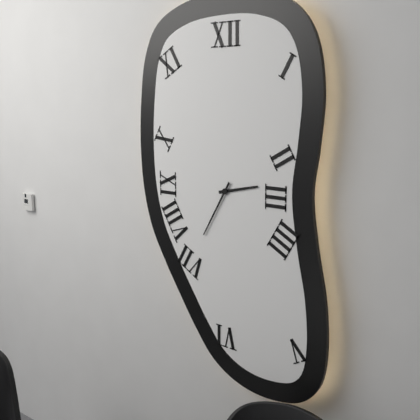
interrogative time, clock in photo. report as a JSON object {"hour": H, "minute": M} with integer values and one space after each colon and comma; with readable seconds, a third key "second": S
{"hour": 2, "minute": 35}
